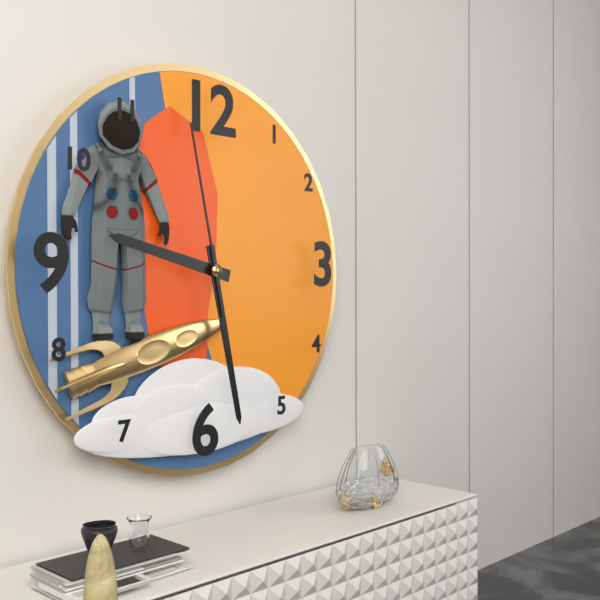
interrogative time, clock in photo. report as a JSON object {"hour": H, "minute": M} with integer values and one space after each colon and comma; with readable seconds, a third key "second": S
{"hour": 9, "minute": 28, "second": 58}
